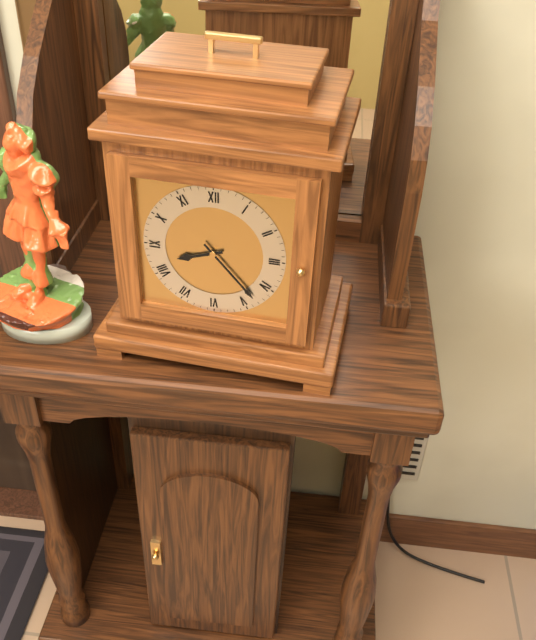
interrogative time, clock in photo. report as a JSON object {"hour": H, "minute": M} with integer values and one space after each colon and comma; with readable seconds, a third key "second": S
{"hour": 8, "minute": 23}
